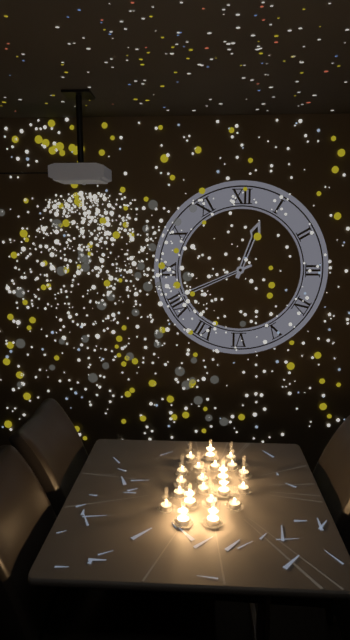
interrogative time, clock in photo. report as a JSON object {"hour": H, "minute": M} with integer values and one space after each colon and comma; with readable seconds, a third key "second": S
{"hour": 12, "minute": 41}
